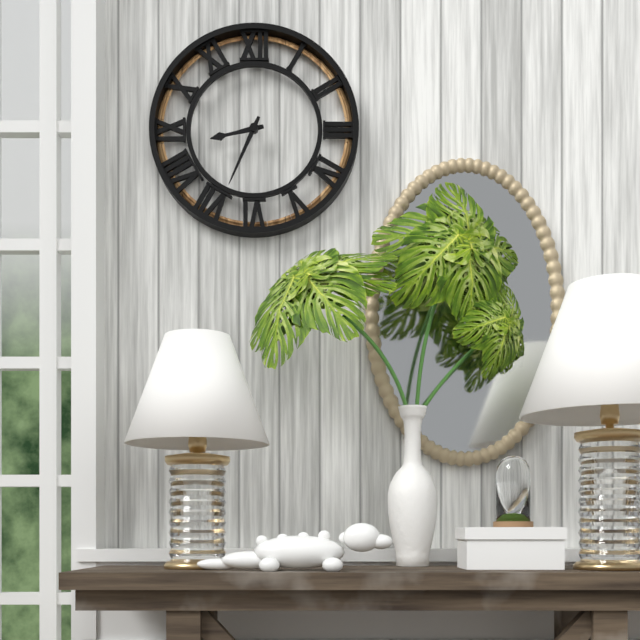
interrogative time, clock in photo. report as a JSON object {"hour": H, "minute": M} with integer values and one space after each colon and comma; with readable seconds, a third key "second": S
{"hour": 8, "minute": 34}
